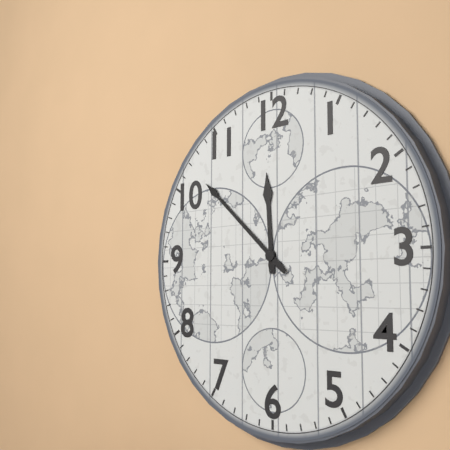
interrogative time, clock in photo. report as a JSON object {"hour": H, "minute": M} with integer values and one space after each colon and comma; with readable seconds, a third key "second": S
{"hour": 11, "minute": 52}
